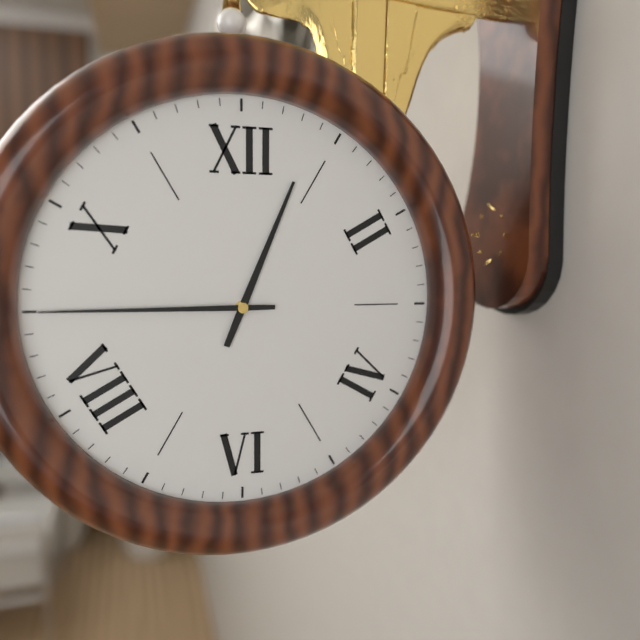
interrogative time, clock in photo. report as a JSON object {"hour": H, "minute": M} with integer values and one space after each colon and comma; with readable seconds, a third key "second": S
{"hour": 12, "minute": 45}
